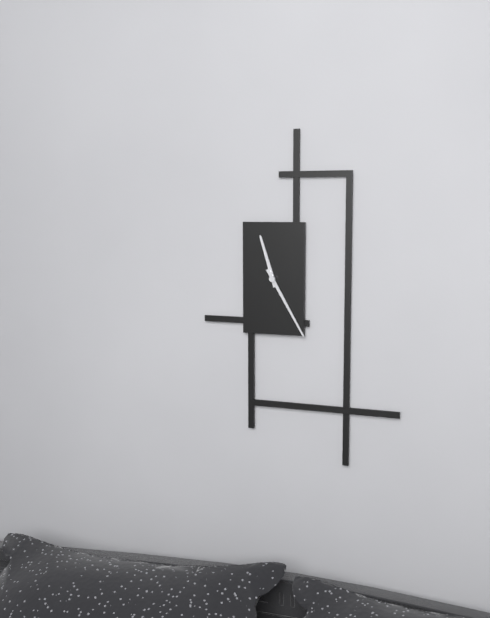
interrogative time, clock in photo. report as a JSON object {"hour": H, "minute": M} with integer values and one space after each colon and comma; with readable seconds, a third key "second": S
{"hour": 11, "minute": 25}
